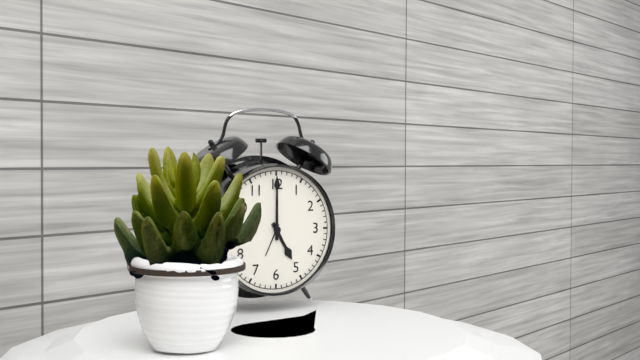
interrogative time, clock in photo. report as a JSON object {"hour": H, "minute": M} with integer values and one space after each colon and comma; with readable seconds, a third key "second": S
{"hour": 5, "minute": 0}
